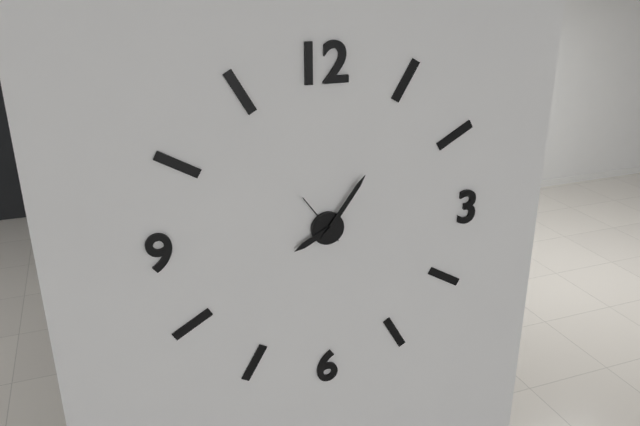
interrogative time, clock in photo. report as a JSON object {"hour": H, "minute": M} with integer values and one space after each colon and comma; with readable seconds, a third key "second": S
{"hour": 8, "minute": 6, "second": 54}
